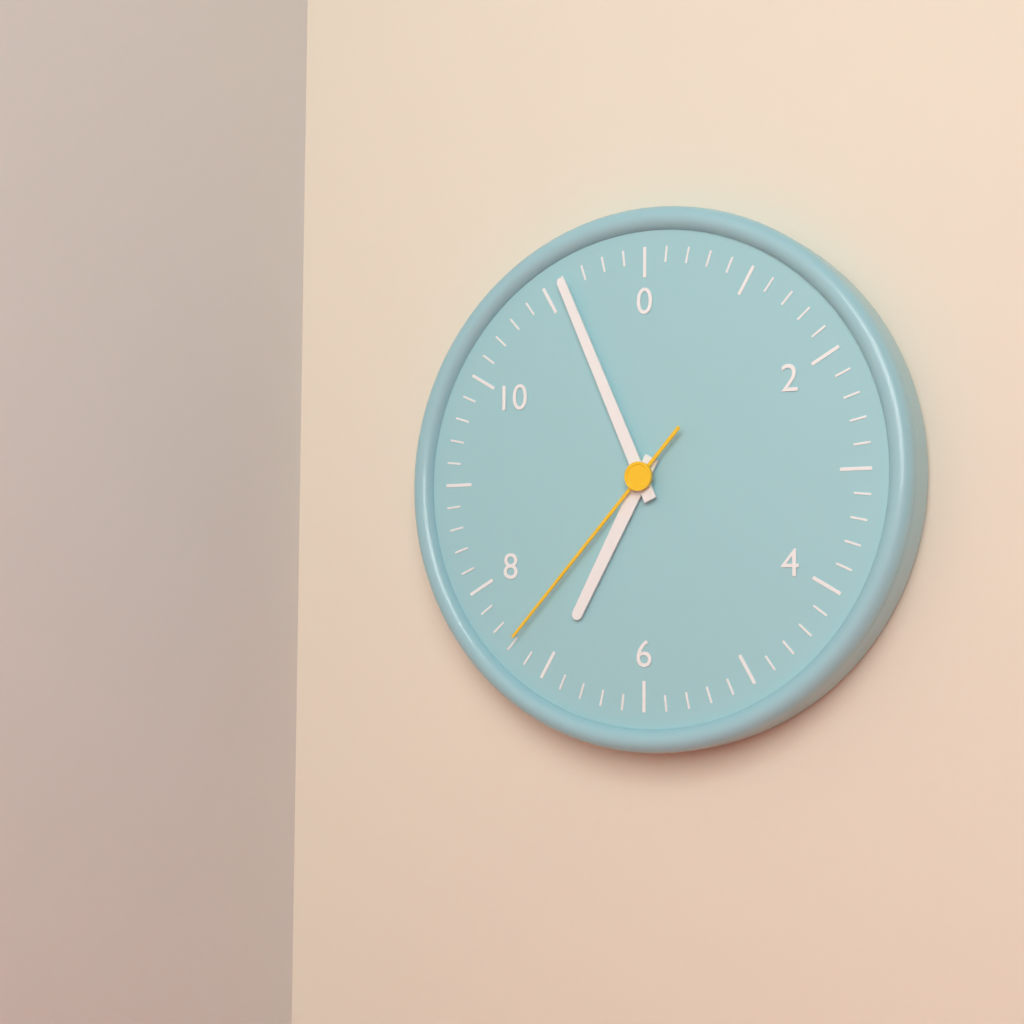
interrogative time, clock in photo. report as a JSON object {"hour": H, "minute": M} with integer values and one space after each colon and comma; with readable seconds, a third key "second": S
{"hour": 6, "minute": 56, "second": 37}
